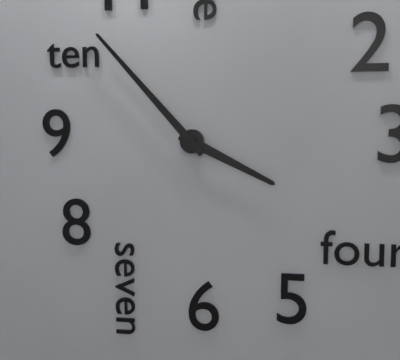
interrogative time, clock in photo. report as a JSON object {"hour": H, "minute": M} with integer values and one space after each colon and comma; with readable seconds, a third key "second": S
{"hour": 3, "minute": 53}
